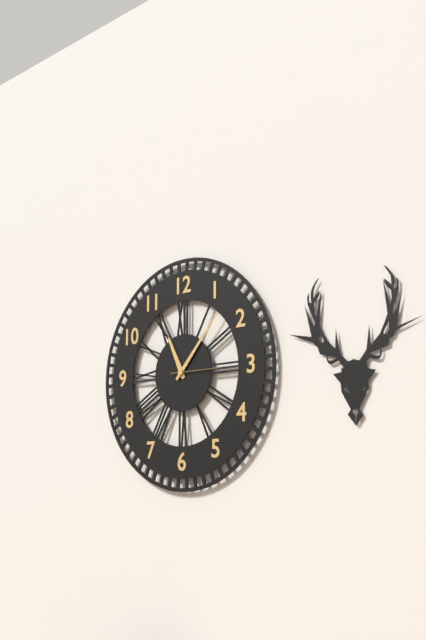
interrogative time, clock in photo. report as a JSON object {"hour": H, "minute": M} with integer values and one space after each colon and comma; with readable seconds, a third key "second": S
{"hour": 11, "minute": 7}
